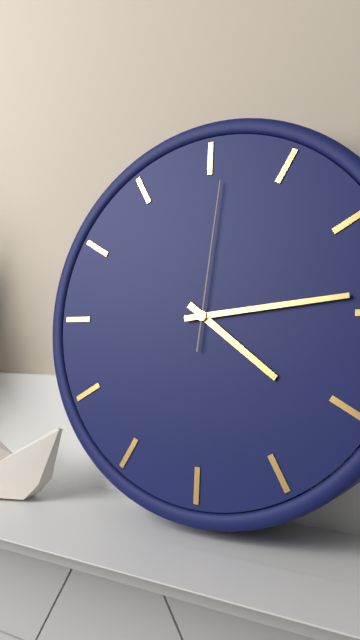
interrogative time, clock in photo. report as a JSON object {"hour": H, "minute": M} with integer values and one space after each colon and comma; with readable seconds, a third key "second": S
{"hour": 4, "minute": 14, "second": 1}
